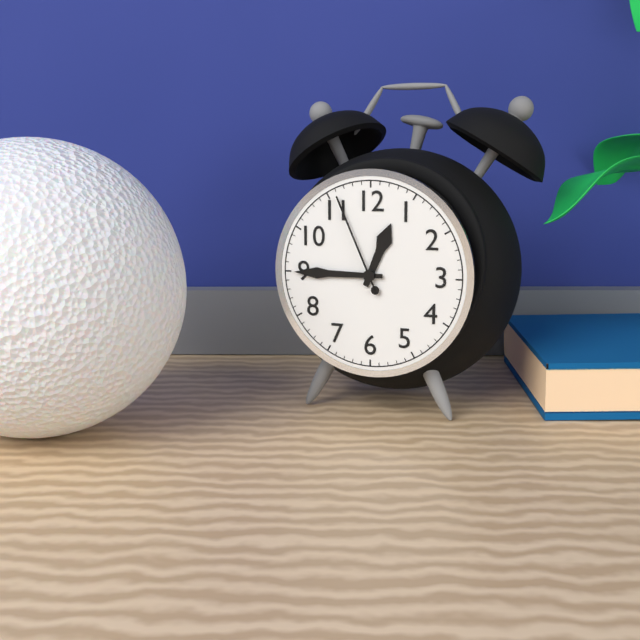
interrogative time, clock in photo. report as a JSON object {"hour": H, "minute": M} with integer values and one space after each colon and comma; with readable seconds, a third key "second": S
{"hour": 12, "minute": 45, "second": 56}
